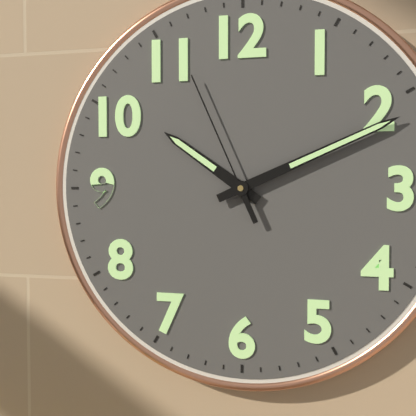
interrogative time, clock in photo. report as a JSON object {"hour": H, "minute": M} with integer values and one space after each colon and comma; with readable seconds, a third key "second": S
{"hour": 10, "minute": 11, "second": 56}
